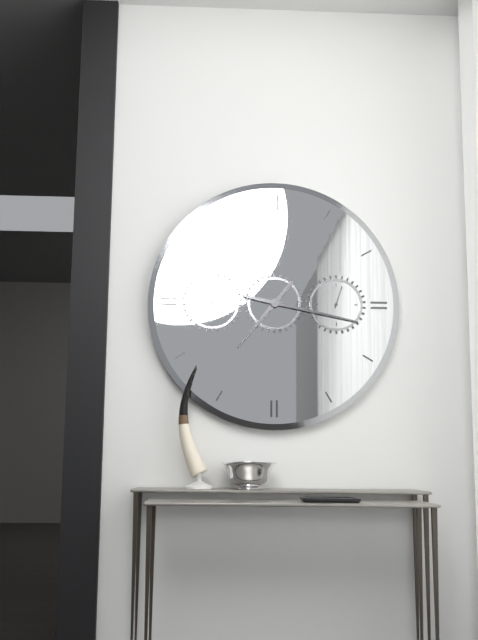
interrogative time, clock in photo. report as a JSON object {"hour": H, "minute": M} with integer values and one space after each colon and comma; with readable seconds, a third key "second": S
{"hour": 7, "minute": 17}
